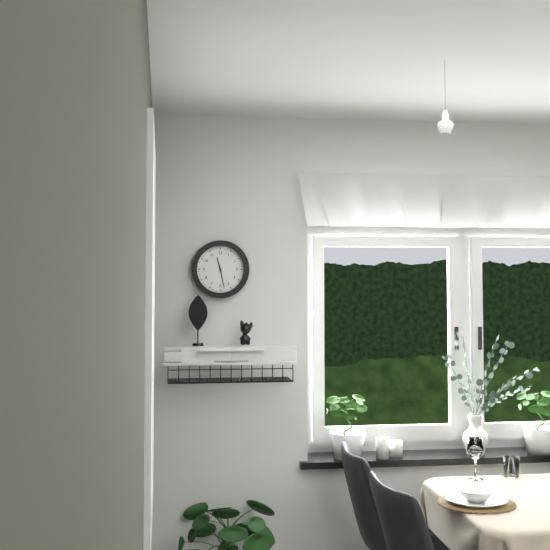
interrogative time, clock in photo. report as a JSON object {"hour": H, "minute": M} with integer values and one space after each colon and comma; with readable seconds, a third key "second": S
{"hour": 11, "minute": 28}
